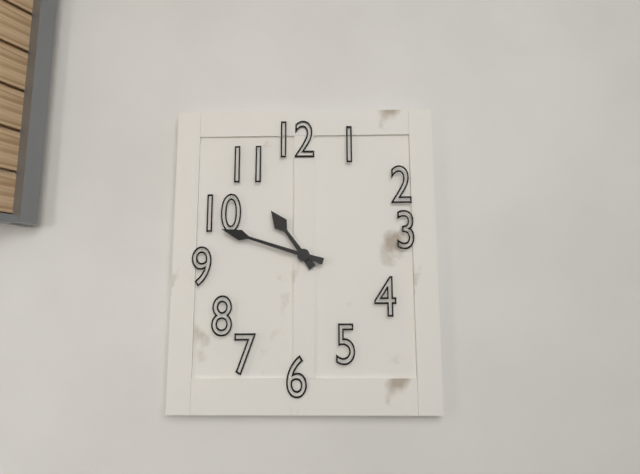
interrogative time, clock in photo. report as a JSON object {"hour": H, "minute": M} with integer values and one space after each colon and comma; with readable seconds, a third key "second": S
{"hour": 10, "minute": 48}
